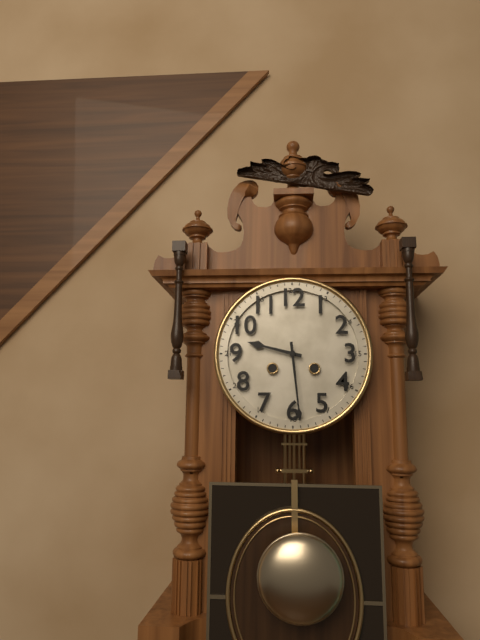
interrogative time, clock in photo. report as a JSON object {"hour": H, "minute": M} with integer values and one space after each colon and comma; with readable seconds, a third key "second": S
{"hour": 9, "minute": 29}
